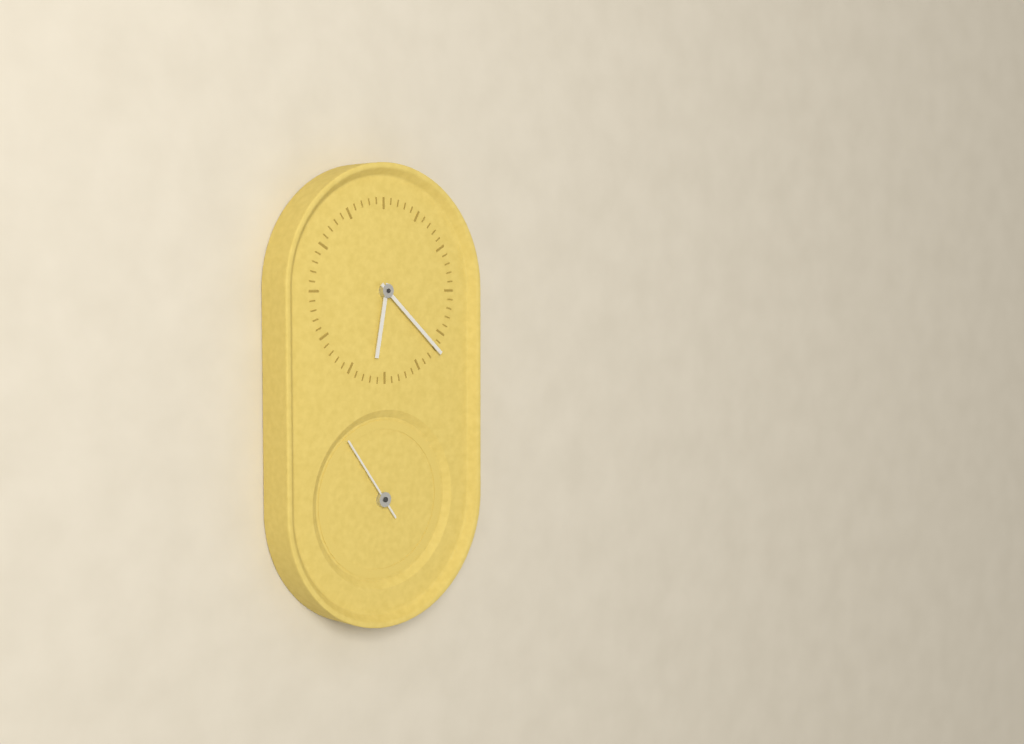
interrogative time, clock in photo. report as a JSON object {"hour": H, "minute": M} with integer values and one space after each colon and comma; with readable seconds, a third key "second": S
{"hour": 6, "minute": 22, "second": 54}
